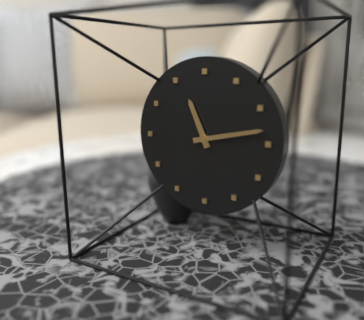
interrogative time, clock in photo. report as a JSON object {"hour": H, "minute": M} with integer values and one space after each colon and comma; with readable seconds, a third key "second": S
{"hour": 11, "minute": 13}
